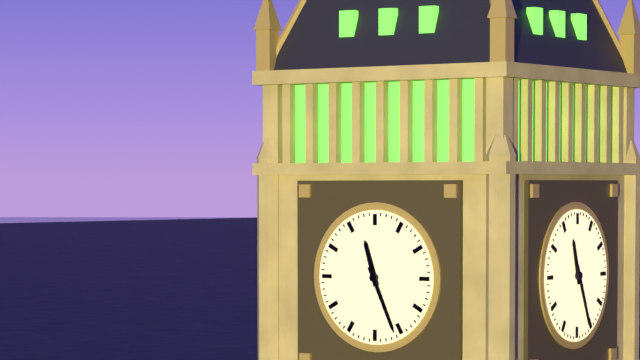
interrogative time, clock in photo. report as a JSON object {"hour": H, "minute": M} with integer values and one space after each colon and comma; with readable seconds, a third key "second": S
{"hour": 11, "minute": 26}
